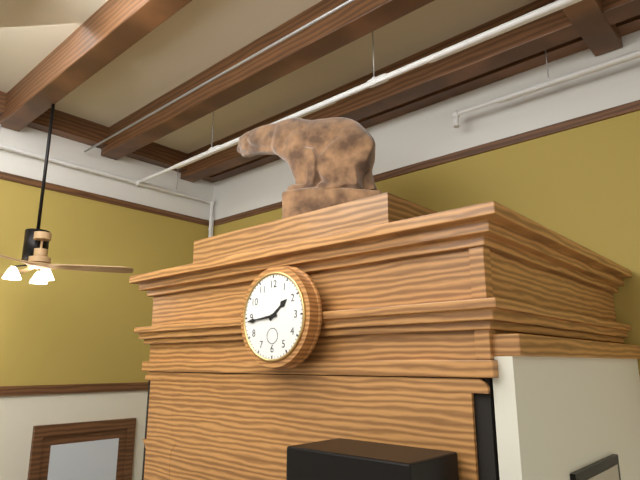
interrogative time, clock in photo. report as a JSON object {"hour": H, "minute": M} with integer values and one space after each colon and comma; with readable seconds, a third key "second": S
{"hour": 1, "minute": 44}
